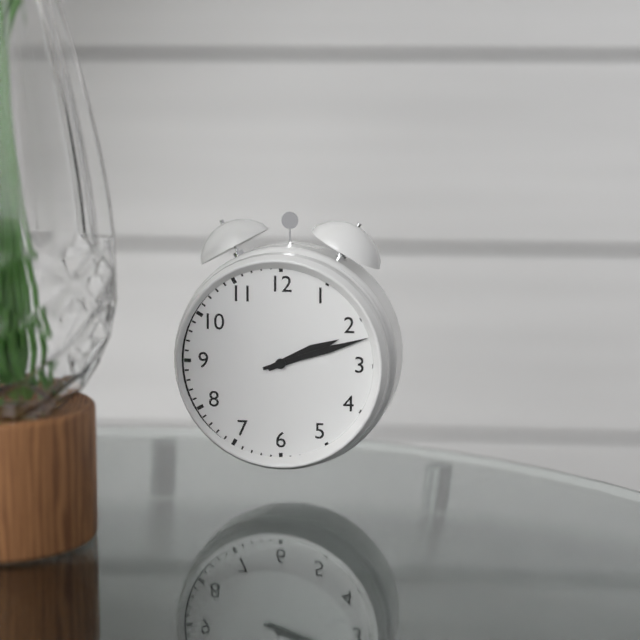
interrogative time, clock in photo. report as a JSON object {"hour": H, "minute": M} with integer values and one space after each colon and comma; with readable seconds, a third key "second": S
{"hour": 2, "minute": 12}
